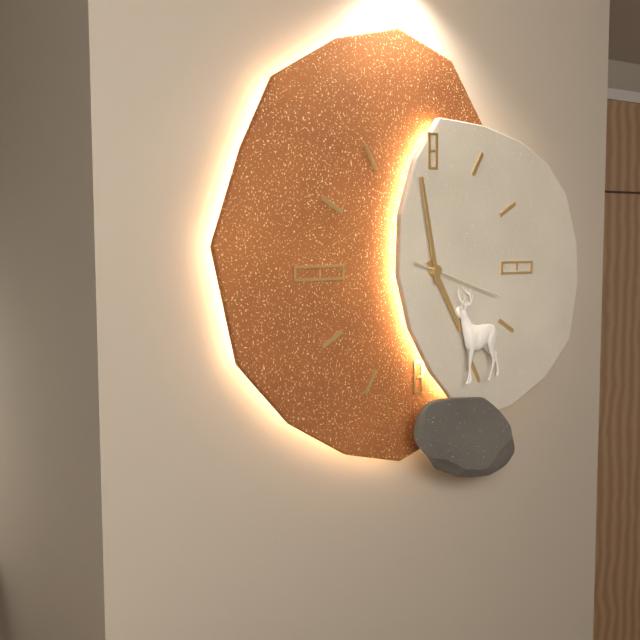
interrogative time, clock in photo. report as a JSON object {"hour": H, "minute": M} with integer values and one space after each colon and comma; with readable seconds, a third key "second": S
{"hour": 4, "minute": 58, "second": 18}
